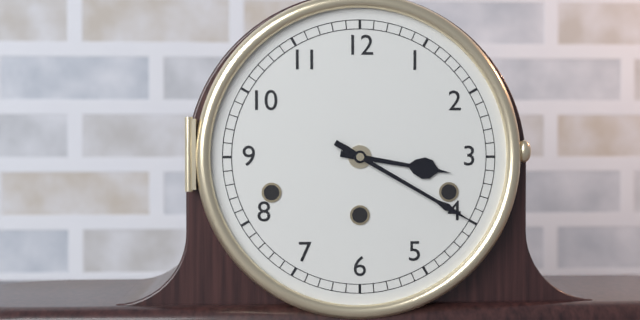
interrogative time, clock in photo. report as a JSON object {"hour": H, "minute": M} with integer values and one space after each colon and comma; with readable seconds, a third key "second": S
{"hour": 3, "minute": 20}
